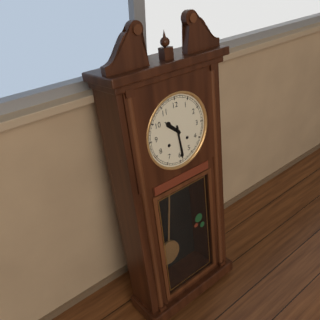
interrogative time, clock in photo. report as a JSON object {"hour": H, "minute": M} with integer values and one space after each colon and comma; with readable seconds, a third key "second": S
{"hour": 10, "minute": 29}
